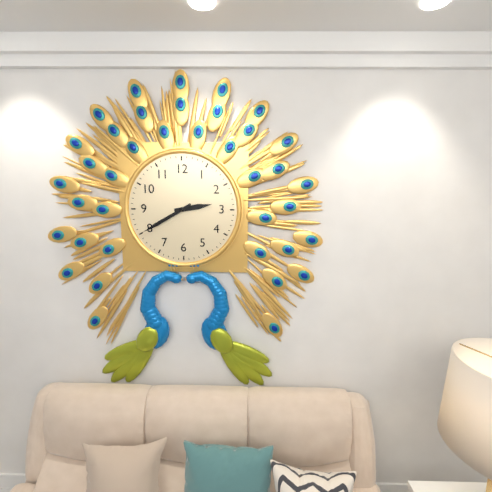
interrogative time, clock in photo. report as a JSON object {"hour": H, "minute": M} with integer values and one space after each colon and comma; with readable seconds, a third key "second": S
{"hour": 2, "minute": 40}
